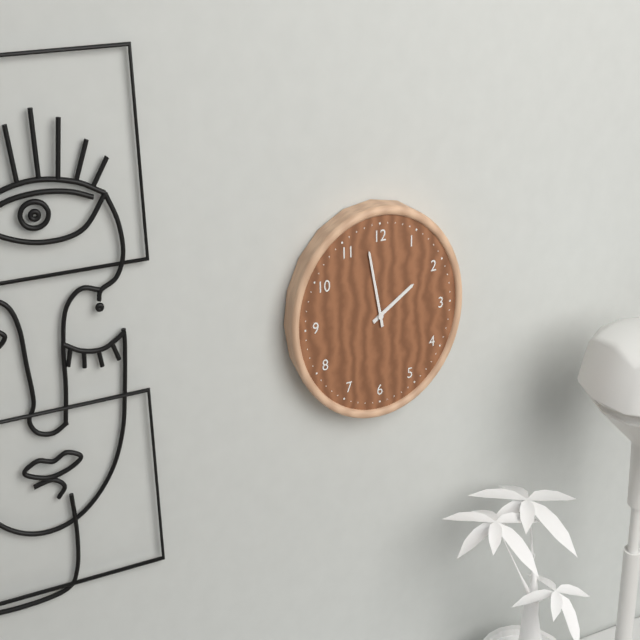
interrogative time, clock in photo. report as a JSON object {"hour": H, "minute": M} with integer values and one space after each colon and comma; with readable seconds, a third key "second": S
{"hour": 1, "minute": 58}
